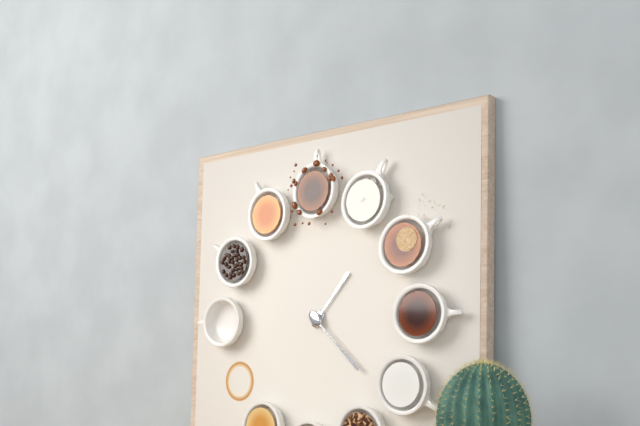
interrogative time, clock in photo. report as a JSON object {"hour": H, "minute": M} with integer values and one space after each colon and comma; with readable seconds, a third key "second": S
{"hour": 1, "minute": 22}
